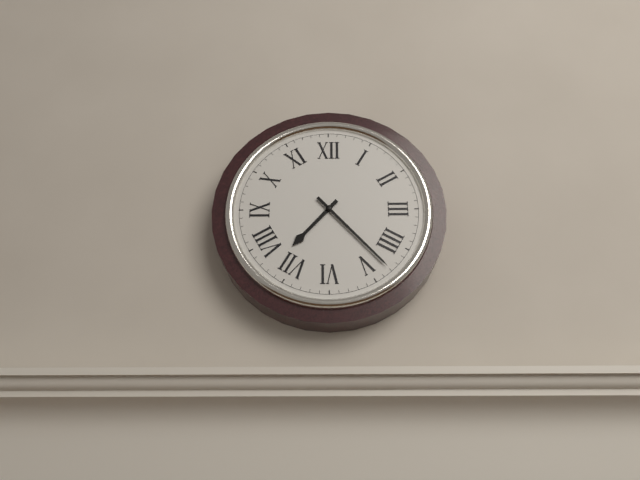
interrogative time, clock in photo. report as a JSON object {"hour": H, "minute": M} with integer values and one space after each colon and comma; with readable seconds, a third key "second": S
{"hour": 7, "minute": 23}
